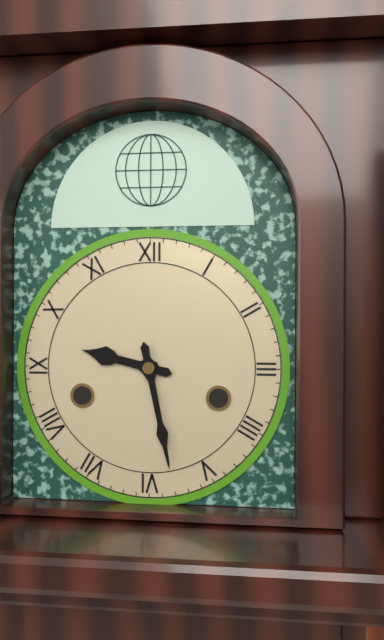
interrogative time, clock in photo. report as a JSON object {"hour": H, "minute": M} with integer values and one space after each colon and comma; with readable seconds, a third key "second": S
{"hour": 9, "minute": 28}
